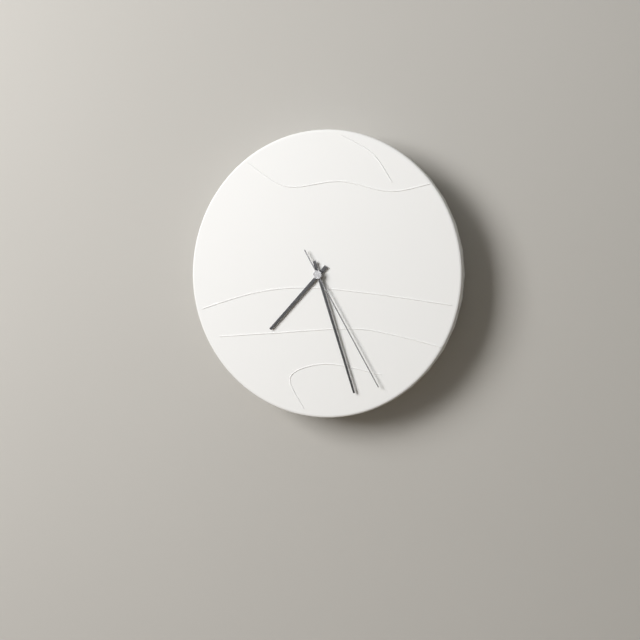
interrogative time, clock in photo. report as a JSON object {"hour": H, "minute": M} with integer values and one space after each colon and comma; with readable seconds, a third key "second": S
{"hour": 7, "minute": 27, "second": 25}
